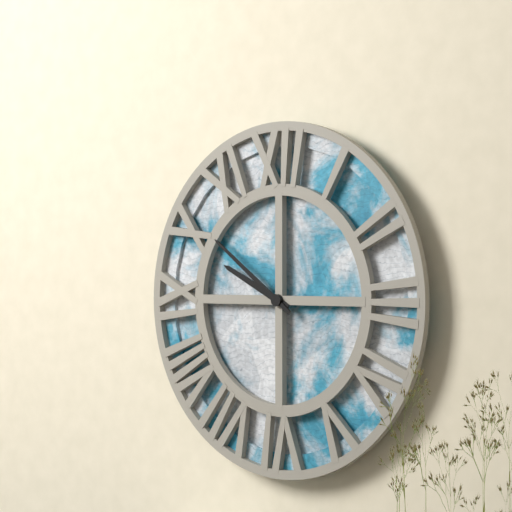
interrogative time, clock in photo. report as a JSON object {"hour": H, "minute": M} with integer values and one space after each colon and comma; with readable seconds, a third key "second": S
{"hour": 9, "minute": 51}
